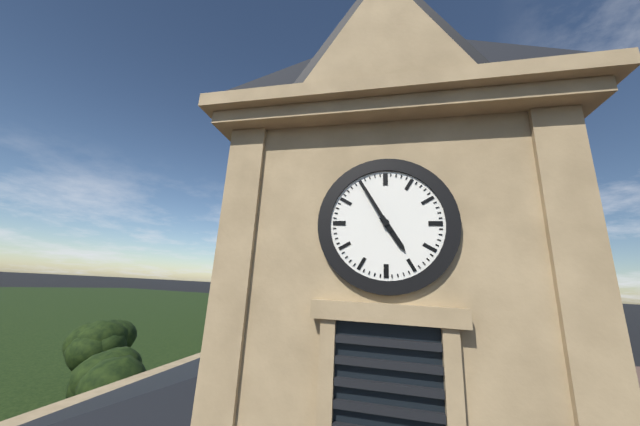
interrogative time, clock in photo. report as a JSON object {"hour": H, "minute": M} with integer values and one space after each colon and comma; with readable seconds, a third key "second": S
{"hour": 4, "minute": 55}
